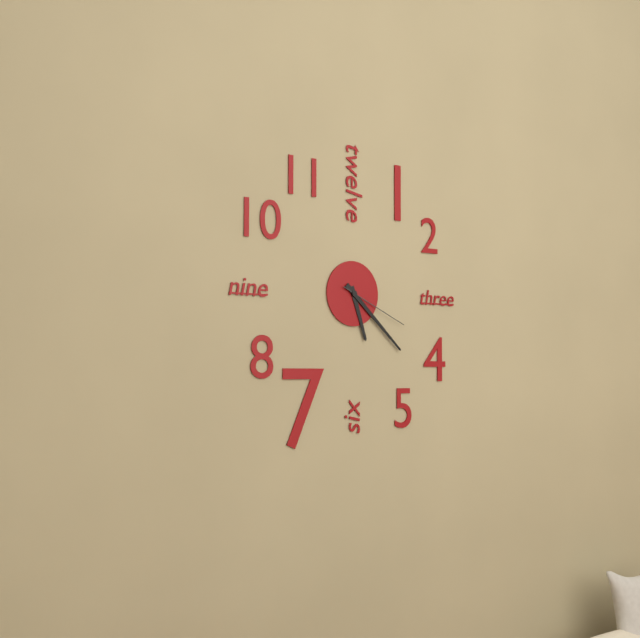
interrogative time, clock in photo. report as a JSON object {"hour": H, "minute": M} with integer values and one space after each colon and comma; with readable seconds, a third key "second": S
{"hour": 5, "minute": 22, "second": 19}
